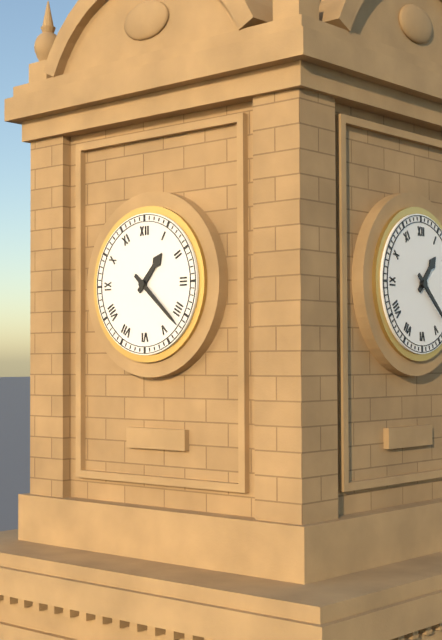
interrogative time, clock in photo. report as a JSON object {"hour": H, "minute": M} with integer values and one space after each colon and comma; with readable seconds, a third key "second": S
{"hour": 1, "minute": 22}
